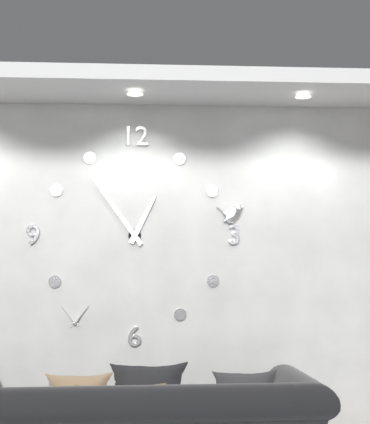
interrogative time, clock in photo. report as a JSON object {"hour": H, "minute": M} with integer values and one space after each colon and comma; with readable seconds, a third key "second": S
{"hour": 12, "minute": 54}
